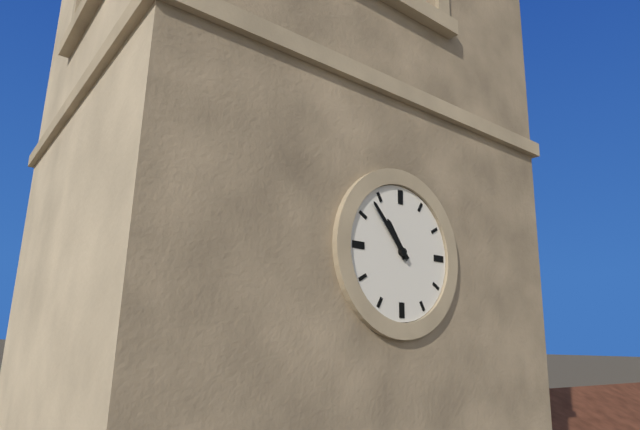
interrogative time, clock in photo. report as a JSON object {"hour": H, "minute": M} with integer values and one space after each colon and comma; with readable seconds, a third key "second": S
{"hour": 10, "minute": 53}
